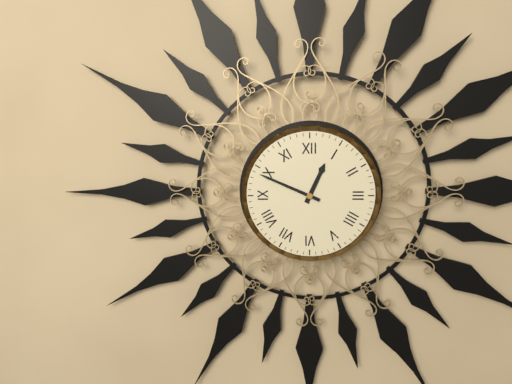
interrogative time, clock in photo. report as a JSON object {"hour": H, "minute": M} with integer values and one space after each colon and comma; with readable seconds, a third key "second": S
{"hour": 12, "minute": 49}
